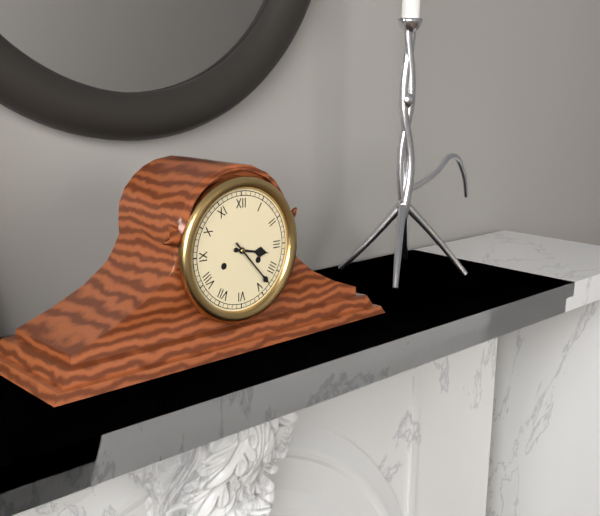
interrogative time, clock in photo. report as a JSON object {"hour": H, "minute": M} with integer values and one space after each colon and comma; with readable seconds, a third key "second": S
{"hour": 3, "minute": 23}
